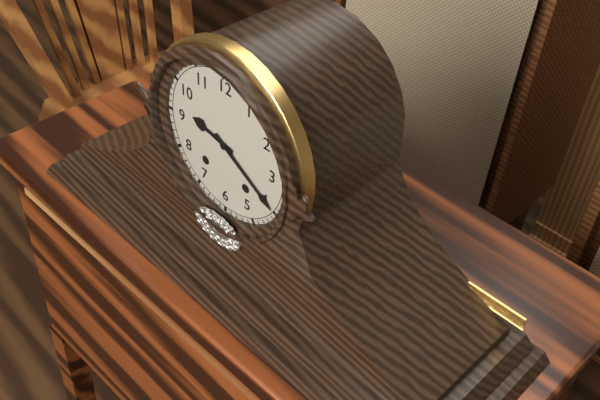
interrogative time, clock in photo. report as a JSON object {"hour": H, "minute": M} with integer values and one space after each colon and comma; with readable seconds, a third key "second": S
{"hour": 9, "minute": 20}
